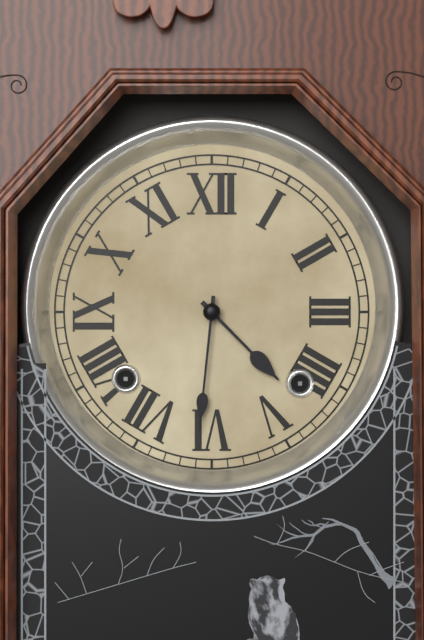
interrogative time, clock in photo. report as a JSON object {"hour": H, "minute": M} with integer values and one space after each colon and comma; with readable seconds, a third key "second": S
{"hour": 4, "minute": 31}
